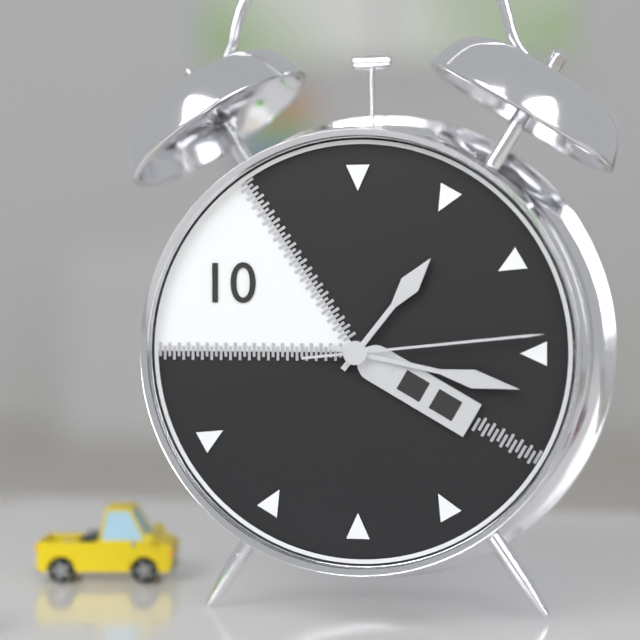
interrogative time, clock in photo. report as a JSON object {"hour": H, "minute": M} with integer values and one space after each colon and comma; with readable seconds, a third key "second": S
{"hour": 1, "minute": 17, "second": 14}
